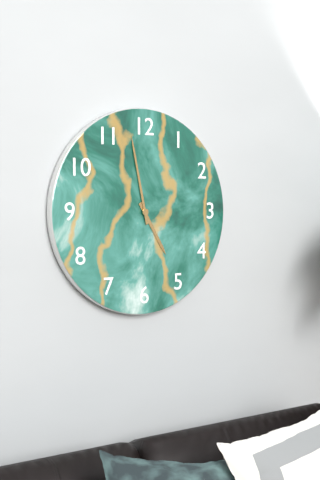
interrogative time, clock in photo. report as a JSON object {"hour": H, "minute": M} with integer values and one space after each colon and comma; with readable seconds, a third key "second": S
{"hour": 4, "minute": 58}
